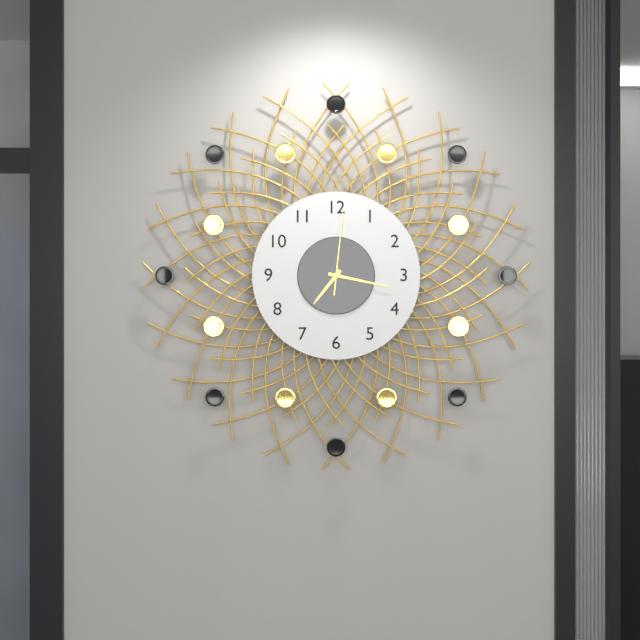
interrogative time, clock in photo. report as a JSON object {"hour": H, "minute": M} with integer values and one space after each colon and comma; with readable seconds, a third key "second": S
{"hour": 7, "minute": 17, "second": 1}
